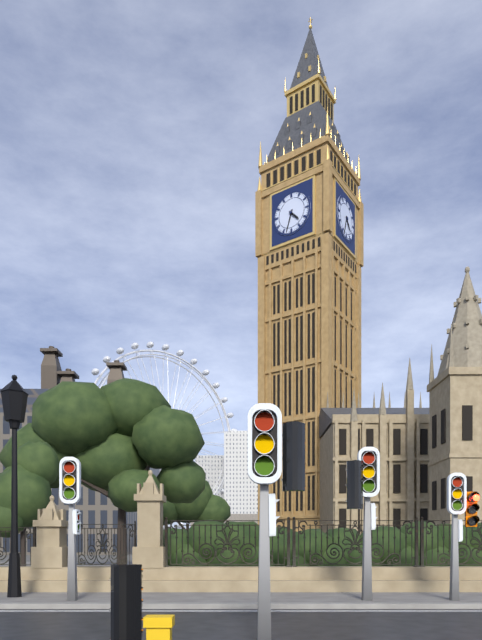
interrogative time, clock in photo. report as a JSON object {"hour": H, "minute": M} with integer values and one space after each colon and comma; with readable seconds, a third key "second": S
{"hour": 4, "minute": 33}
